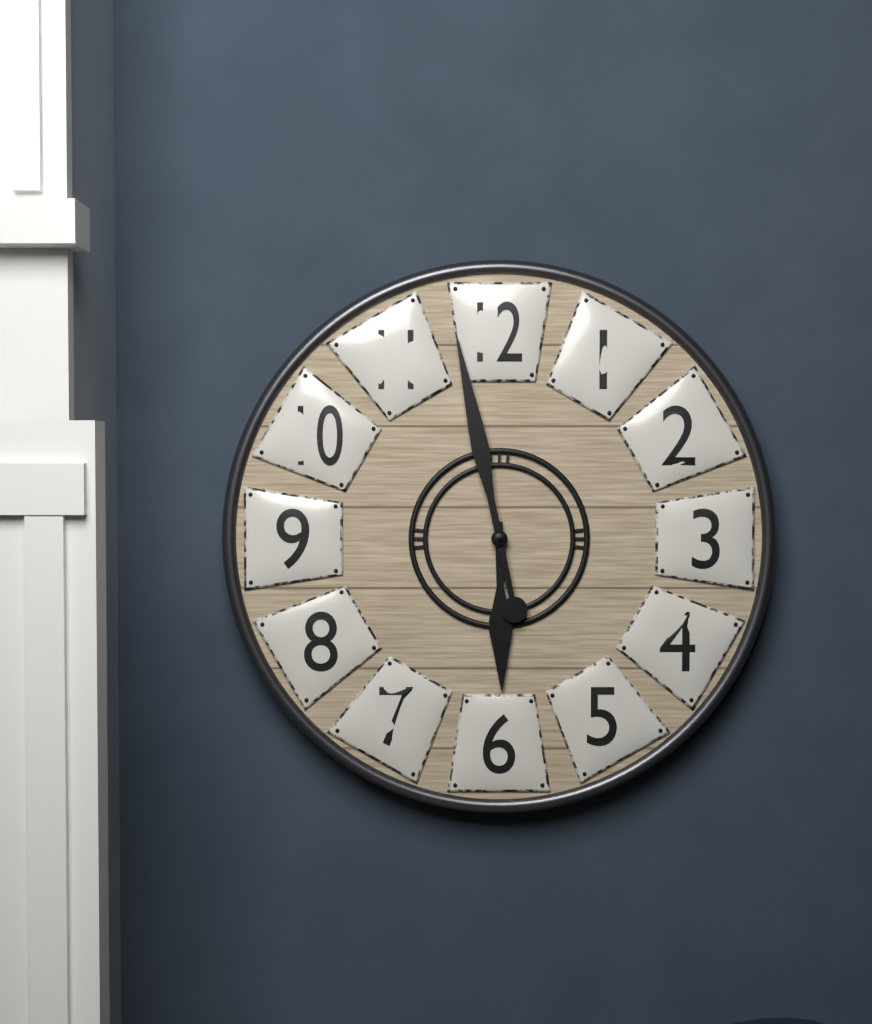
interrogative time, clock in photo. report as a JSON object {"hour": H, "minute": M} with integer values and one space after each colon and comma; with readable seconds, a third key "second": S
{"hour": 5, "minute": 58}
